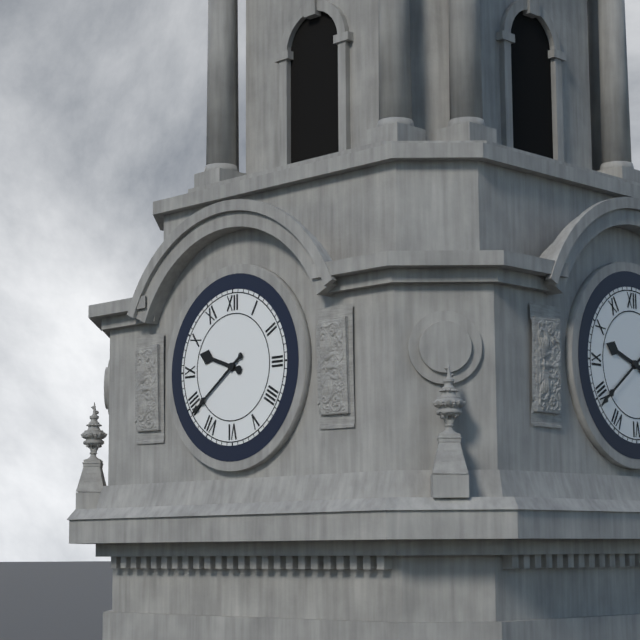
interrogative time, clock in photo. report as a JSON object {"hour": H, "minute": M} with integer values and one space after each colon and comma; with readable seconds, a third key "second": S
{"hour": 9, "minute": 39}
